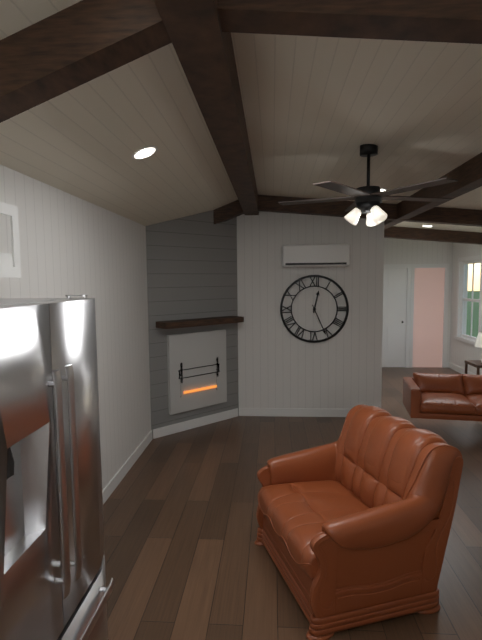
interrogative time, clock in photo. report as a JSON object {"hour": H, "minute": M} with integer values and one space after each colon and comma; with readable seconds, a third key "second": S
{"hour": 12, "minute": 26}
